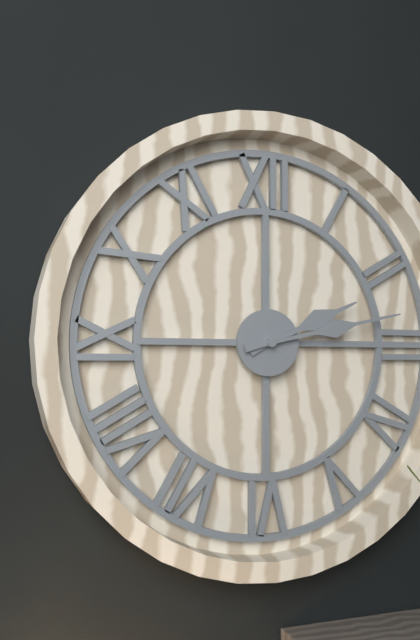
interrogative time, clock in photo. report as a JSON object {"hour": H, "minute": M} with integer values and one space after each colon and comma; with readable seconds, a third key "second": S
{"hour": 2, "minute": 13}
